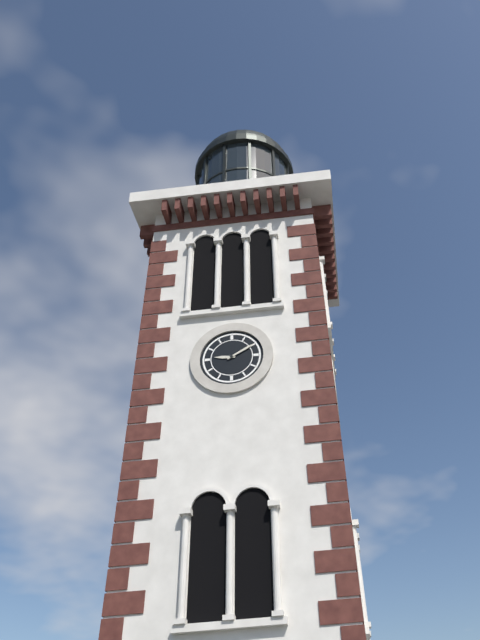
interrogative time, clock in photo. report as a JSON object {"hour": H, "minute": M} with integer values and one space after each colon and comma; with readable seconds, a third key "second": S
{"hour": 9, "minute": 10}
